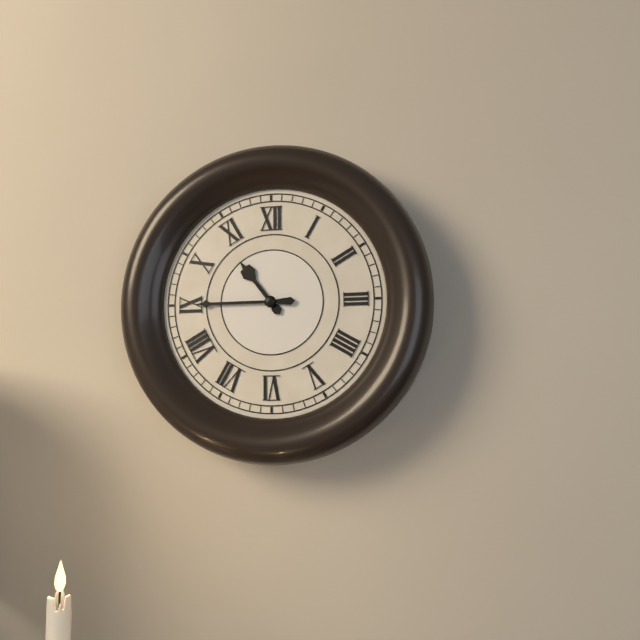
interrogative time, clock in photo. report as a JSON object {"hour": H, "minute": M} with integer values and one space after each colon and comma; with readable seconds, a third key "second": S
{"hour": 10, "minute": 45}
